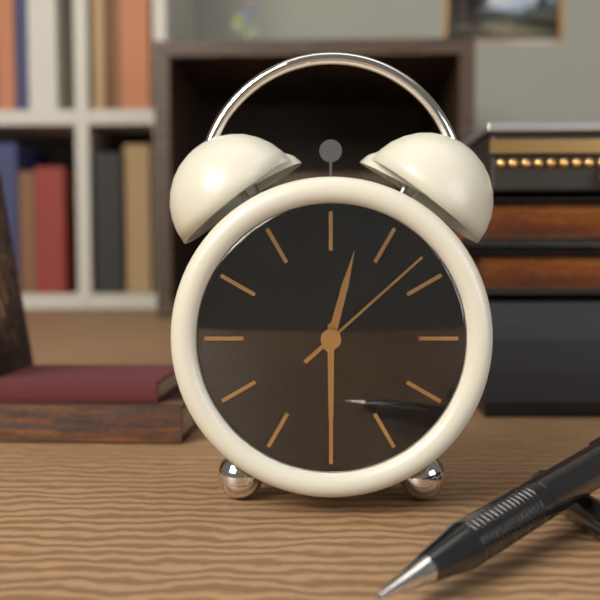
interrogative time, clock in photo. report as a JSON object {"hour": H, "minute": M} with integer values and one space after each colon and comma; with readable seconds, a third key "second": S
{"hour": 12, "minute": 30, "second": 8}
